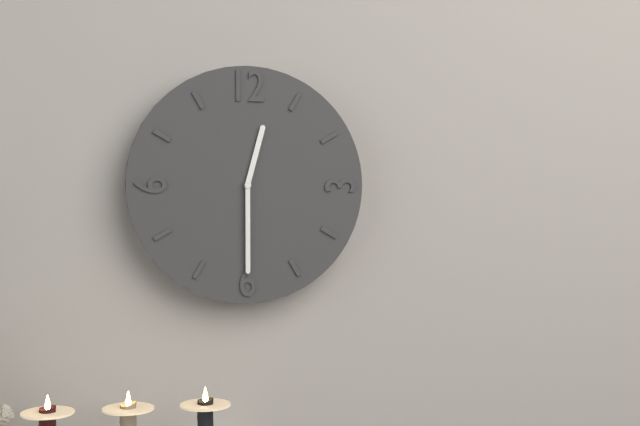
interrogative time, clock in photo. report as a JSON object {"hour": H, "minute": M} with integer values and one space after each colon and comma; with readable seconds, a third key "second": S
{"hour": 12, "minute": 30}
